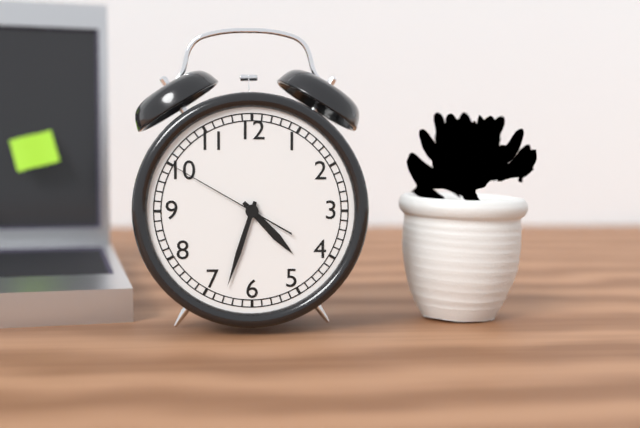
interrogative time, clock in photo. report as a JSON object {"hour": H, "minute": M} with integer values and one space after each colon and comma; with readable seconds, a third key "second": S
{"hour": 4, "minute": 33, "second": 50}
